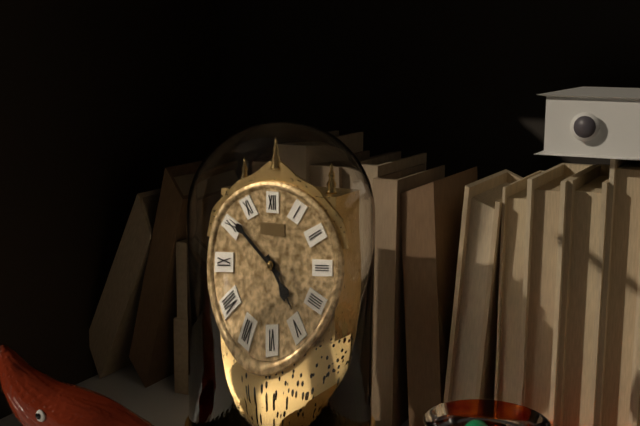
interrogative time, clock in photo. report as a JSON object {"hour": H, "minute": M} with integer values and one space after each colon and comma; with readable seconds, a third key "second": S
{"hour": 4, "minute": 51}
